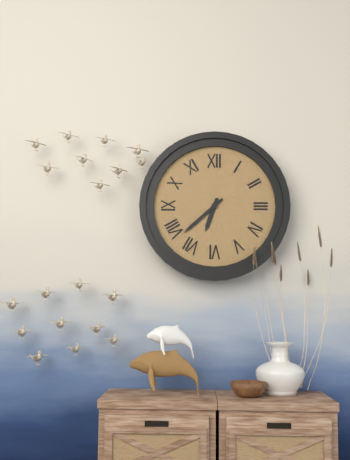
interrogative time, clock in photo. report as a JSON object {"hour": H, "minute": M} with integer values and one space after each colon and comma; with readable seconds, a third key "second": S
{"hour": 6, "minute": 38}
